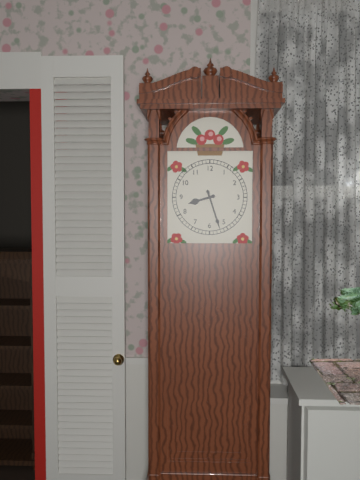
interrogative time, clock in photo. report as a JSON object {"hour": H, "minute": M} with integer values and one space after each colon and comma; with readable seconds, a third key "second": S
{"hour": 8, "minute": 27}
